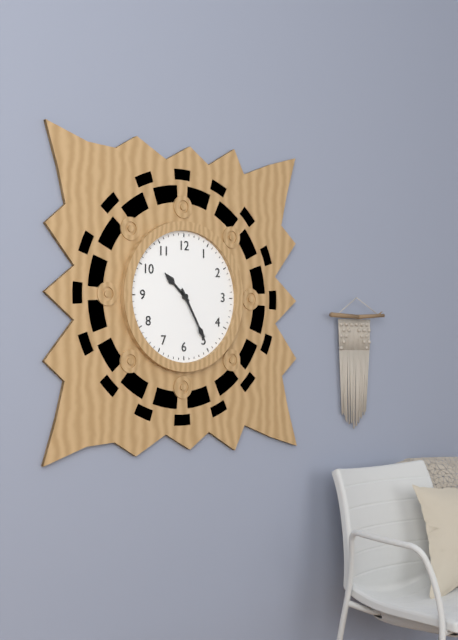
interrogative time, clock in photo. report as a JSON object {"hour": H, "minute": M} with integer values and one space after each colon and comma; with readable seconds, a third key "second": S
{"hour": 10, "minute": 25}
